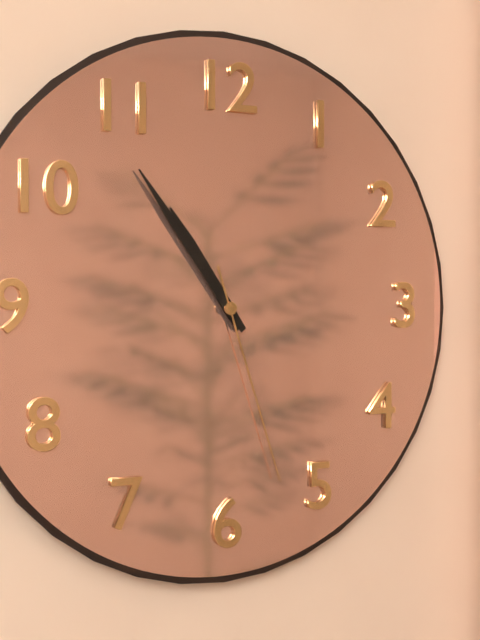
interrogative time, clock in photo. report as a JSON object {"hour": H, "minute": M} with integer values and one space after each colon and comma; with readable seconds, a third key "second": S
{"hour": 10, "minute": 54, "second": 27}
